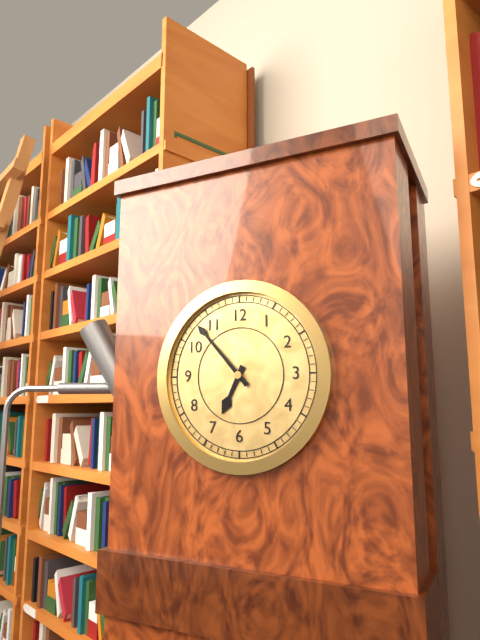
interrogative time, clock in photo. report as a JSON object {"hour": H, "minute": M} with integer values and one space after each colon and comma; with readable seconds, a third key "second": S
{"hour": 6, "minute": 53}
